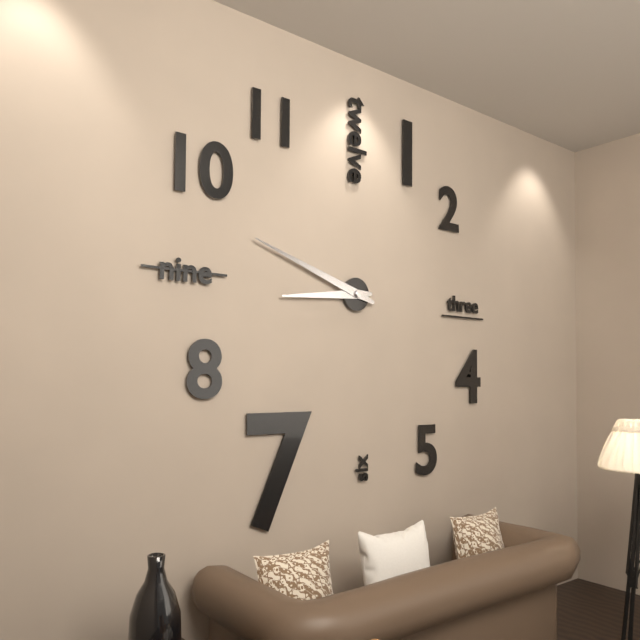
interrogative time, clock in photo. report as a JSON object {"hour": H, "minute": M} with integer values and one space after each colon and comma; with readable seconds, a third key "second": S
{"hour": 8, "minute": 48}
